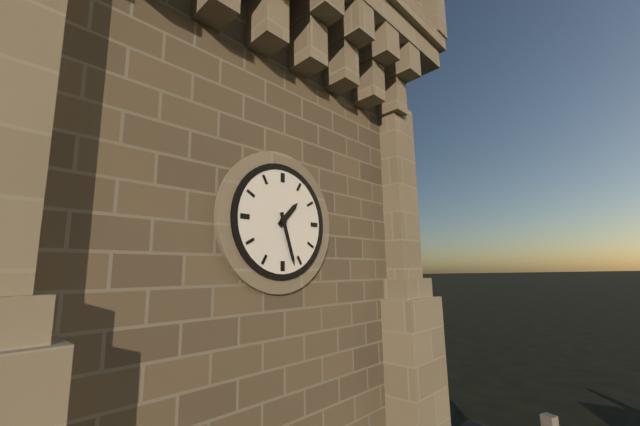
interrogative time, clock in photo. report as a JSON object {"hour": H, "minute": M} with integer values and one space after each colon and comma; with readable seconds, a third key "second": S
{"hour": 1, "minute": 27}
